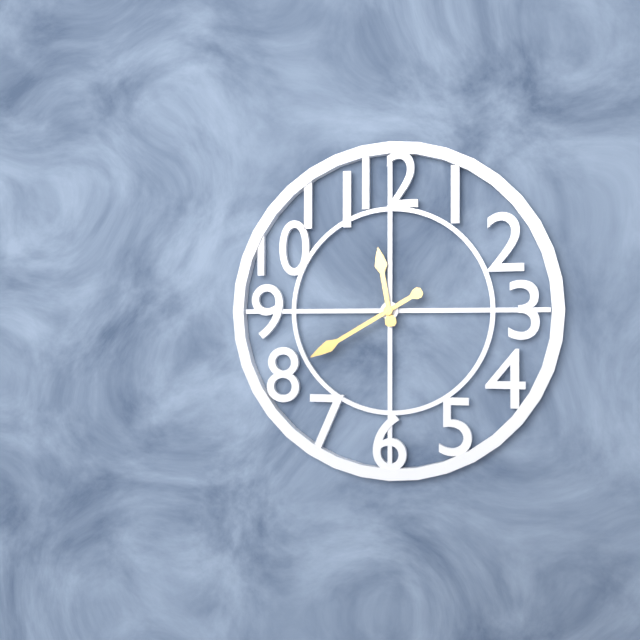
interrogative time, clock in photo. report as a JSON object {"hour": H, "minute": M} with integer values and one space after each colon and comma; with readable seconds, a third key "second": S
{"hour": 11, "minute": 40}
